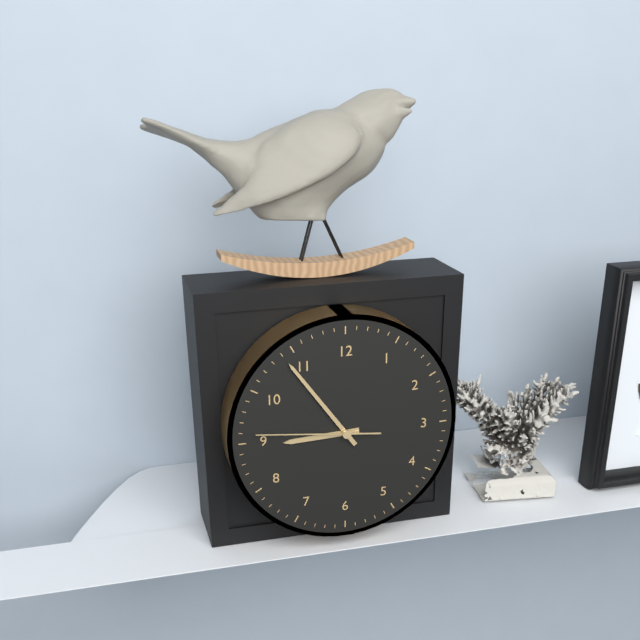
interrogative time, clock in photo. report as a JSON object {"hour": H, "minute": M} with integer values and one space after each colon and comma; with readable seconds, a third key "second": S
{"hour": 8, "minute": 54, "second": 46}
